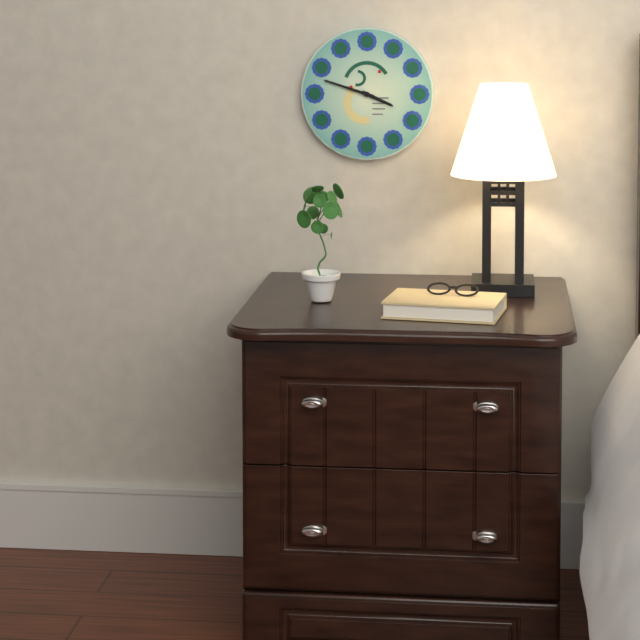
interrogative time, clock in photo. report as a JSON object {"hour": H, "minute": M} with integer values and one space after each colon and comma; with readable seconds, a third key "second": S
{"hour": 3, "minute": 48}
